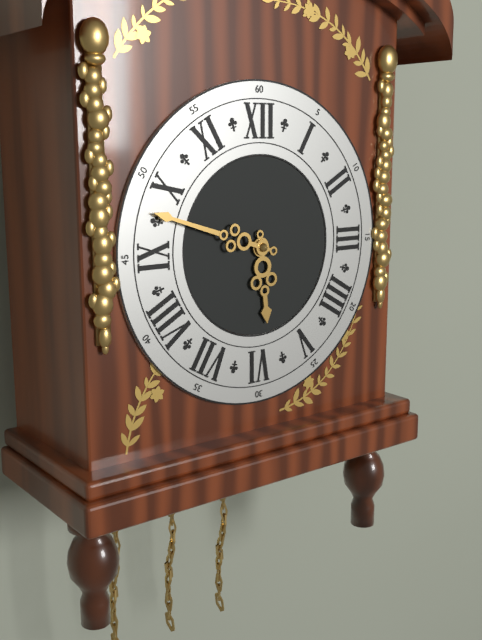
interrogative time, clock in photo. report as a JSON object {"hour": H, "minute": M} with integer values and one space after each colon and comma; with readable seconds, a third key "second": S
{"hour": 5, "minute": 48}
